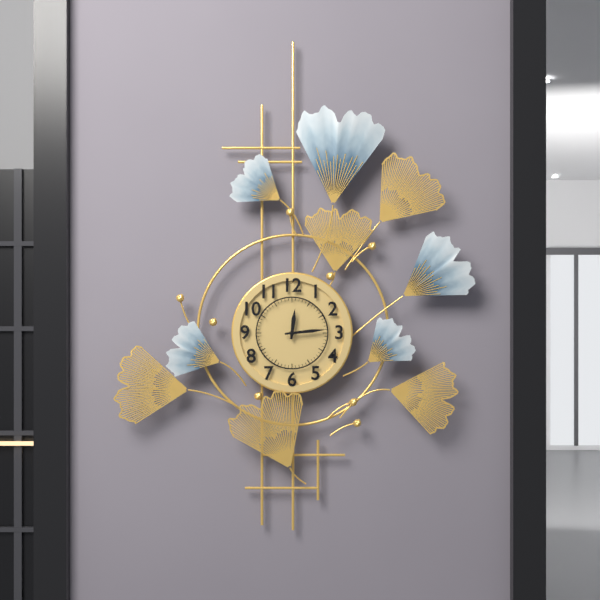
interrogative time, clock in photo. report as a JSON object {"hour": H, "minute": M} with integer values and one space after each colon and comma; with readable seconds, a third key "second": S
{"hour": 12, "minute": 14}
